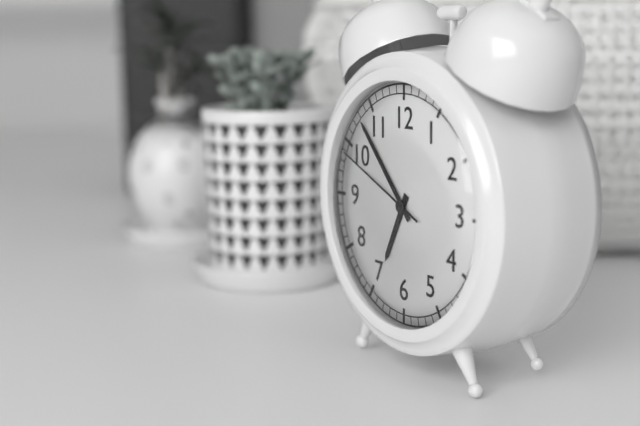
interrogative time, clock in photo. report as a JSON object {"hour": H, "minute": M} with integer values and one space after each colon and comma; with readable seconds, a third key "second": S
{"hour": 6, "minute": 53, "second": 49}
